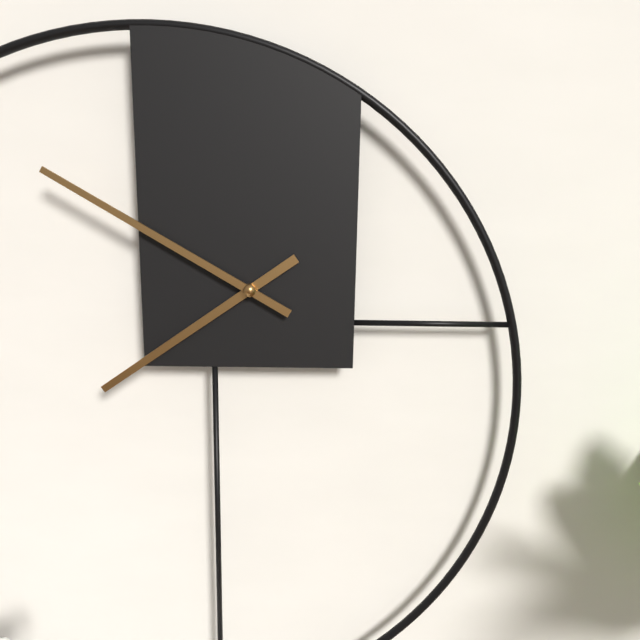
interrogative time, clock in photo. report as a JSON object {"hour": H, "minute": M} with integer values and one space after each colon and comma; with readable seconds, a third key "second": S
{"hour": 7, "minute": 50}
